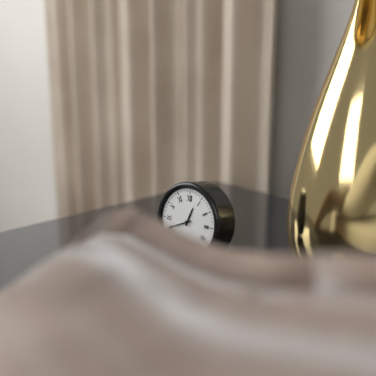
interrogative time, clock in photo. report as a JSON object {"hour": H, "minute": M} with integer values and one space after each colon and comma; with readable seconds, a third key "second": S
{"hour": 12, "minute": 41}
